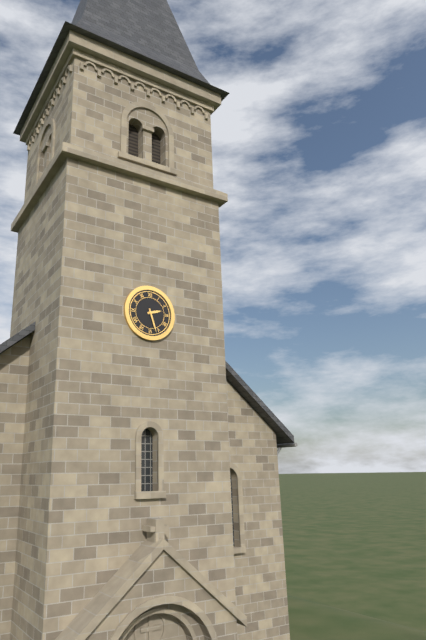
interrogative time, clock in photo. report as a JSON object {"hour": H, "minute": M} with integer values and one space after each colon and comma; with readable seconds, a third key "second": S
{"hour": 2, "minute": 27}
